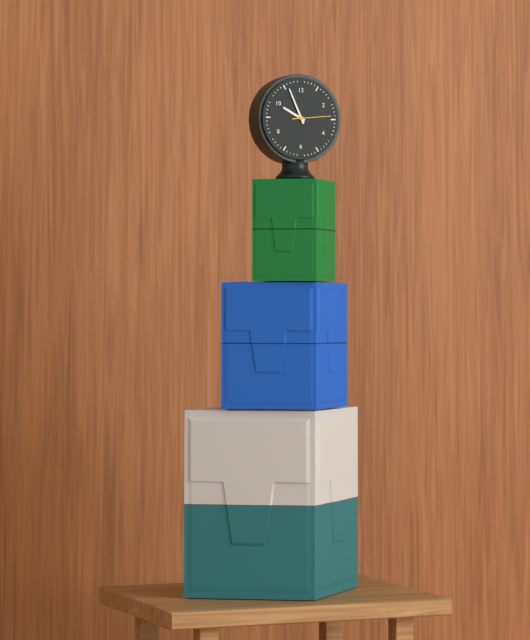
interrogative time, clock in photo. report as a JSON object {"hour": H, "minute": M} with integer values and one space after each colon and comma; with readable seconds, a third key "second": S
{"hour": 9, "minute": 56}
